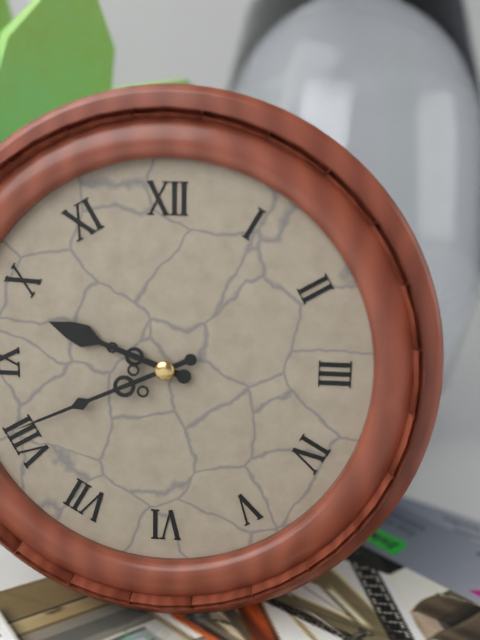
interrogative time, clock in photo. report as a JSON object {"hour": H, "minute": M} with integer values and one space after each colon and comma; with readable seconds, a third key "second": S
{"hour": 9, "minute": 41}
